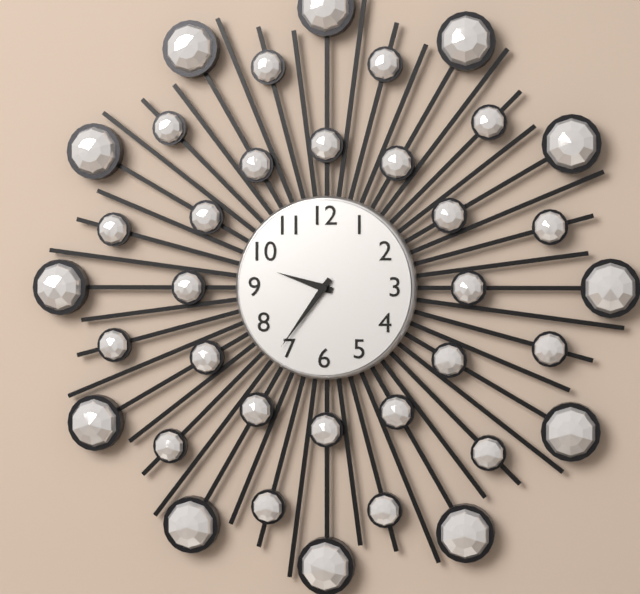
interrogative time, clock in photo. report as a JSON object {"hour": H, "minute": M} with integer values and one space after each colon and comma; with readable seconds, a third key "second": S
{"hour": 9, "minute": 36}
